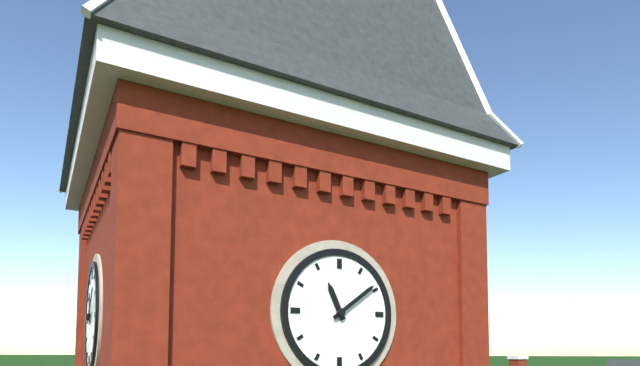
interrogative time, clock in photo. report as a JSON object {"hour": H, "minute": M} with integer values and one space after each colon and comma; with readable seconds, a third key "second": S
{"hour": 11, "minute": 9}
